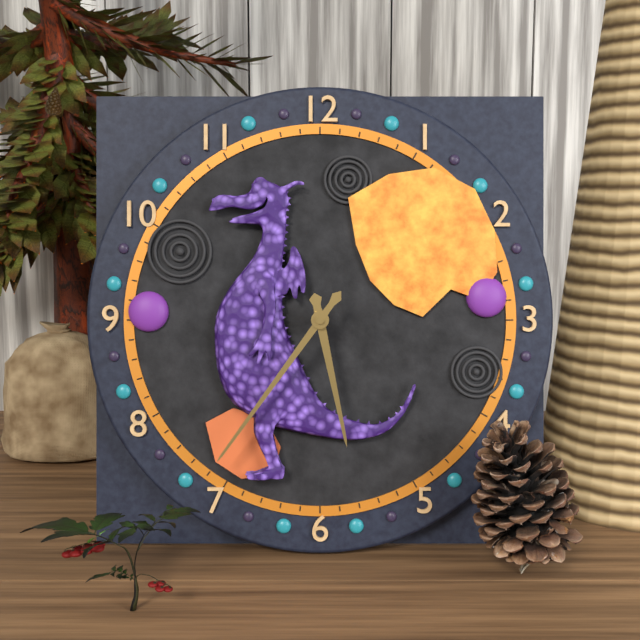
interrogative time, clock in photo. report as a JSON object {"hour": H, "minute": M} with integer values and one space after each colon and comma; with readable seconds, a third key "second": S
{"hour": 5, "minute": 36}
